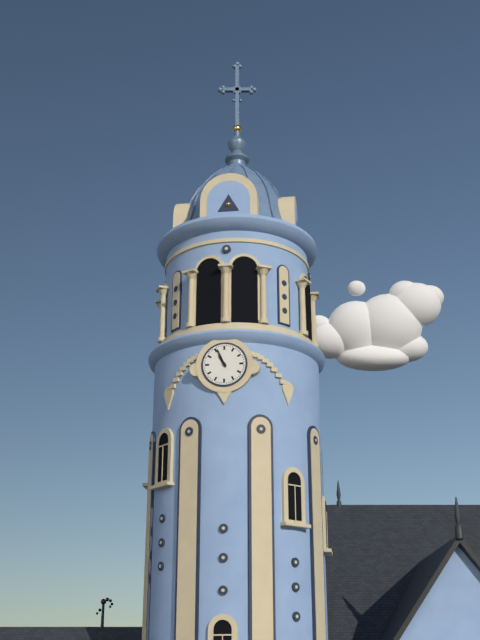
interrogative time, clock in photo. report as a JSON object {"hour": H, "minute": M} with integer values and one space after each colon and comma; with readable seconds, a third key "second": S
{"hour": 10, "minute": 56}
